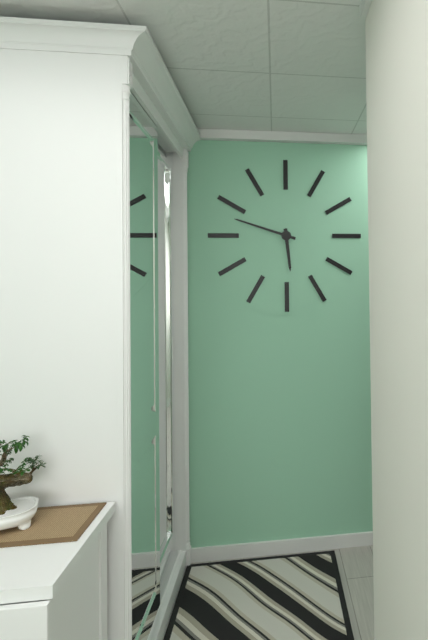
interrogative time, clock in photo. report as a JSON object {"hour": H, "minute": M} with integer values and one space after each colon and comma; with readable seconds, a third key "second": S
{"hour": 5, "minute": 48}
